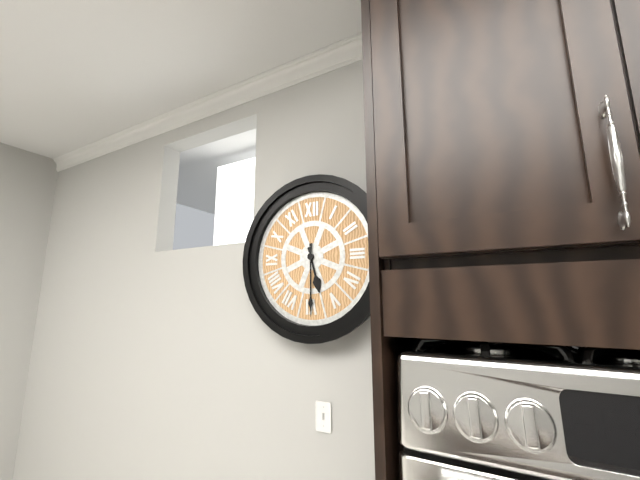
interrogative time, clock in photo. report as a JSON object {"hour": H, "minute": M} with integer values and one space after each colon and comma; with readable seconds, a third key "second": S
{"hour": 5, "minute": 30}
